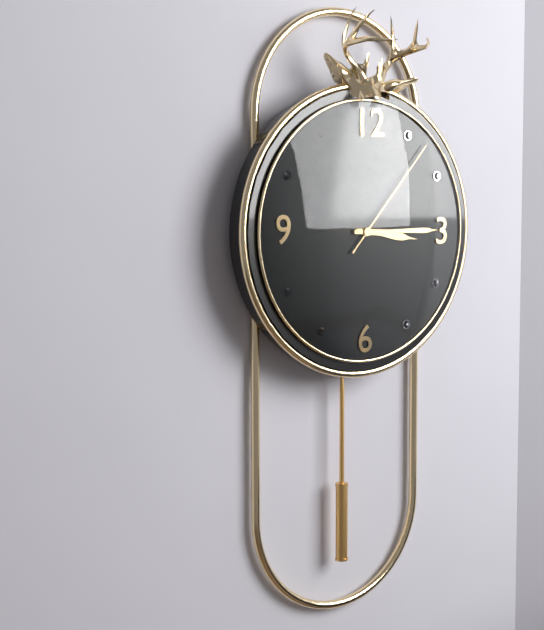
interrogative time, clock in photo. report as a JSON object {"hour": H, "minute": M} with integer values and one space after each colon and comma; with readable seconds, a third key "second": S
{"hour": 3, "minute": 15, "second": 7}
